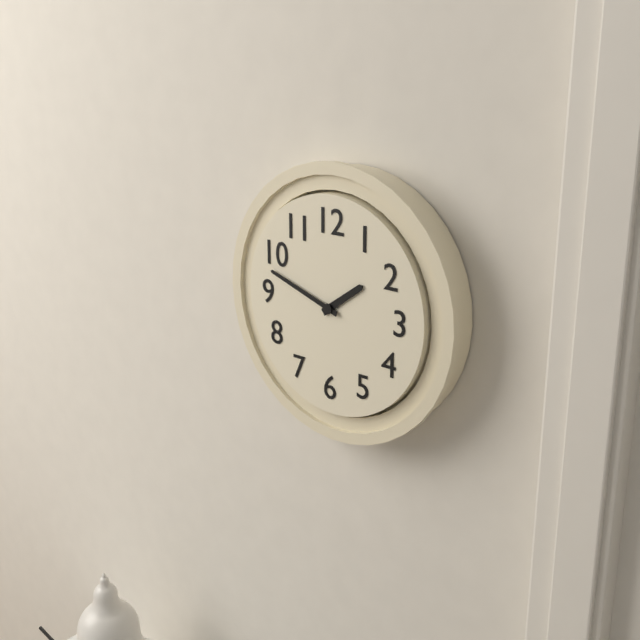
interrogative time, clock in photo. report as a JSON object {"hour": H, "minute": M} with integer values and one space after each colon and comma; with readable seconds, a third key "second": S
{"hour": 1, "minute": 48}
